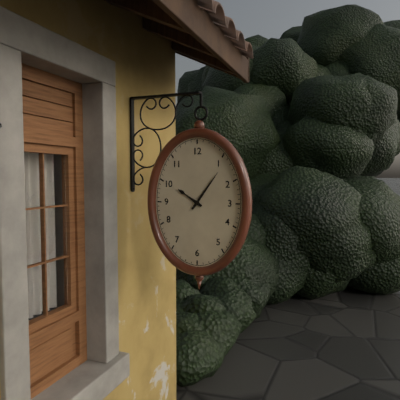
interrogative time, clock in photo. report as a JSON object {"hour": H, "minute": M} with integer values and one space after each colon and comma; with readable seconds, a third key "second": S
{"hour": 10, "minute": 6}
